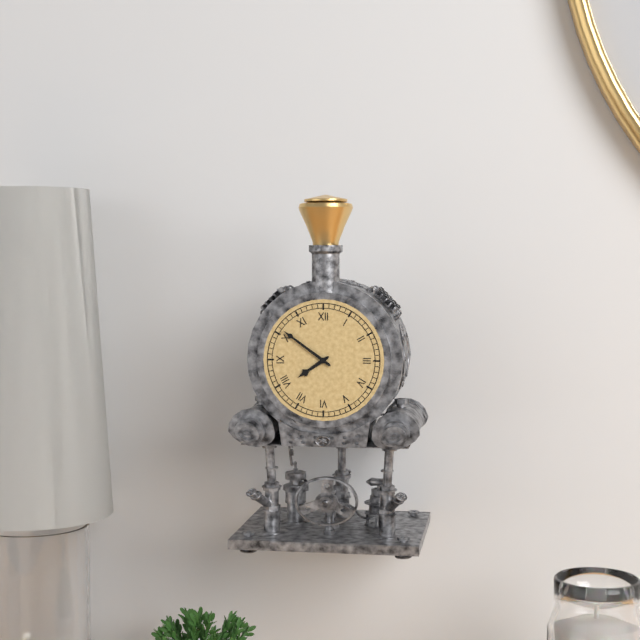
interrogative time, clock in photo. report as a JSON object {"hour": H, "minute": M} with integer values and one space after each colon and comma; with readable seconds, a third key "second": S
{"hour": 7, "minute": 51}
